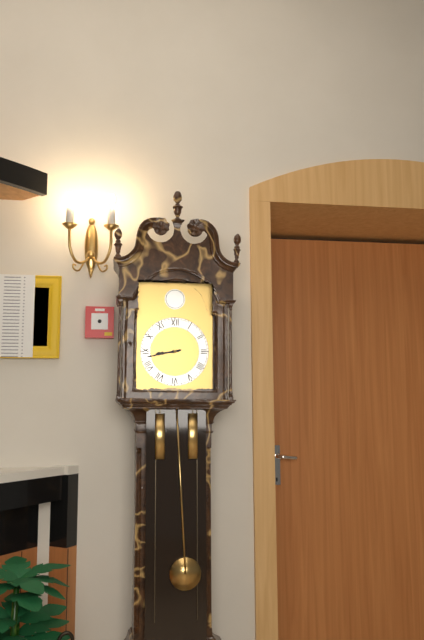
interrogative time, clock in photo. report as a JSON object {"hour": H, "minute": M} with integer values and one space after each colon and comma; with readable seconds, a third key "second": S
{"hour": 8, "minute": 43}
